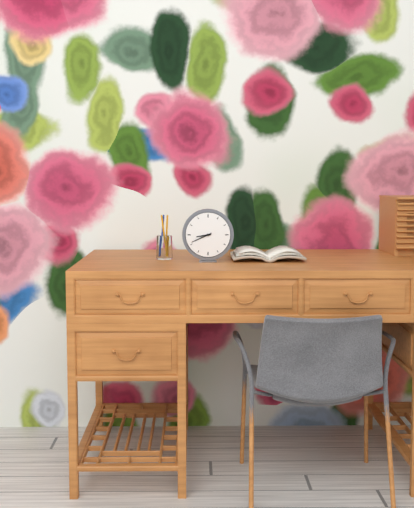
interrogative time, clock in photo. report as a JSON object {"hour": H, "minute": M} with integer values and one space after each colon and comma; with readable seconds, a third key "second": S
{"hour": 8, "minute": 41}
